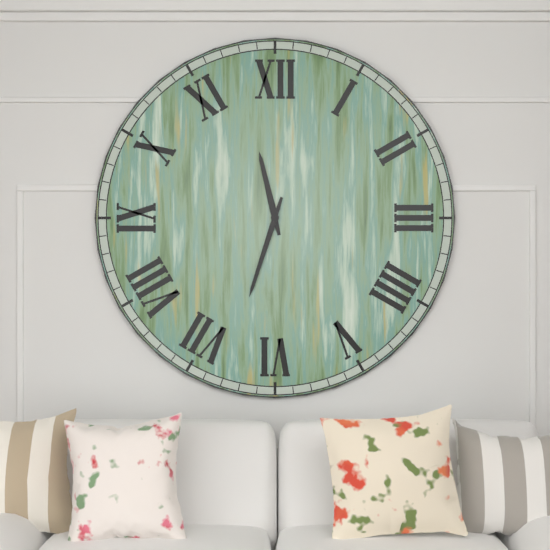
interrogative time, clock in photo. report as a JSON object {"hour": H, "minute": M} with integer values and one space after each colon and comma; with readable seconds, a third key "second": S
{"hour": 11, "minute": 33}
